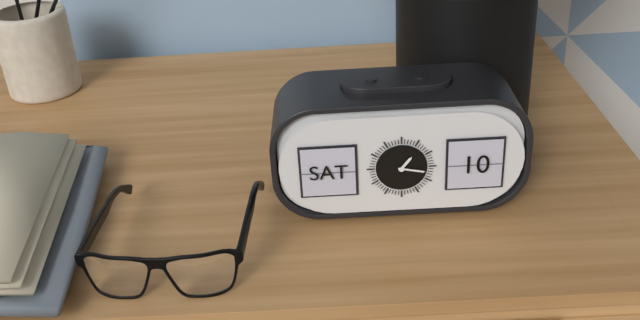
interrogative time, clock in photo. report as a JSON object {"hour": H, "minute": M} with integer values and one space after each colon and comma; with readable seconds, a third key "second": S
{"hour": 1, "minute": 17}
